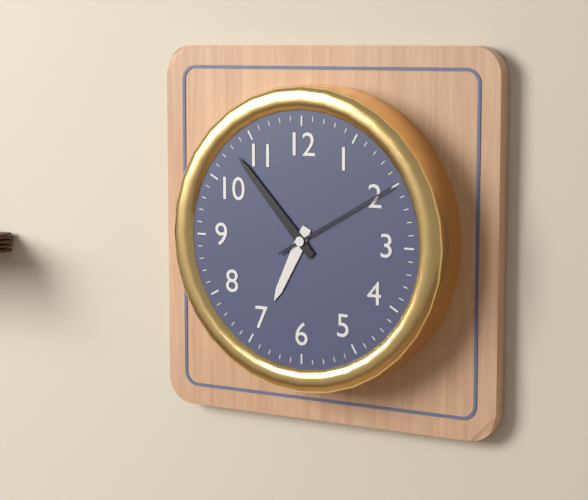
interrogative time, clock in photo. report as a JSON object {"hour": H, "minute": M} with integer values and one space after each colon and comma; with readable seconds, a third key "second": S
{"hour": 6, "minute": 53, "second": 10}
